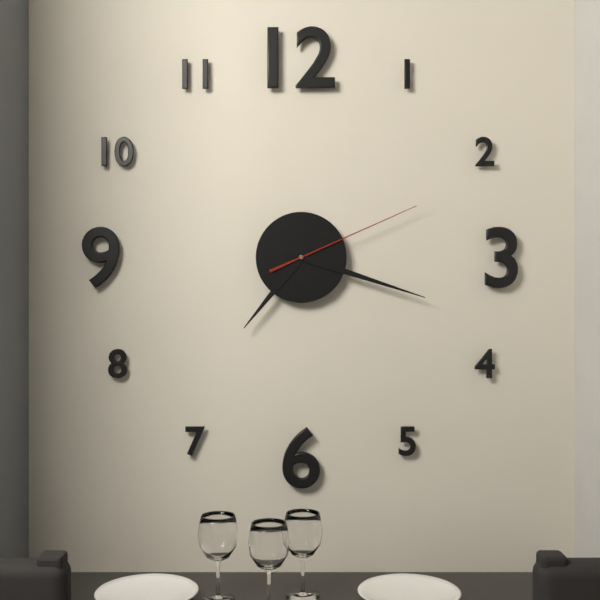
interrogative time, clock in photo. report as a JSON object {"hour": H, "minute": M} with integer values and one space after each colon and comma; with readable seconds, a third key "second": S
{"hour": 7, "minute": 18, "second": 11}
